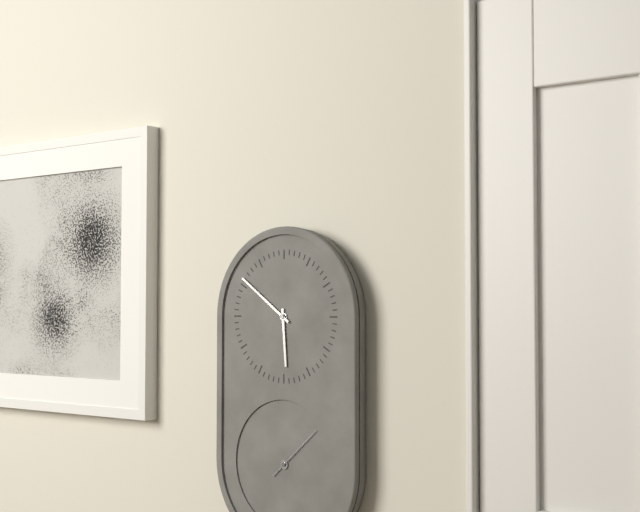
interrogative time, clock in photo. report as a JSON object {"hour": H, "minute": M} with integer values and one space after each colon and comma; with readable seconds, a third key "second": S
{"hour": 5, "minute": 51, "second": 8}
